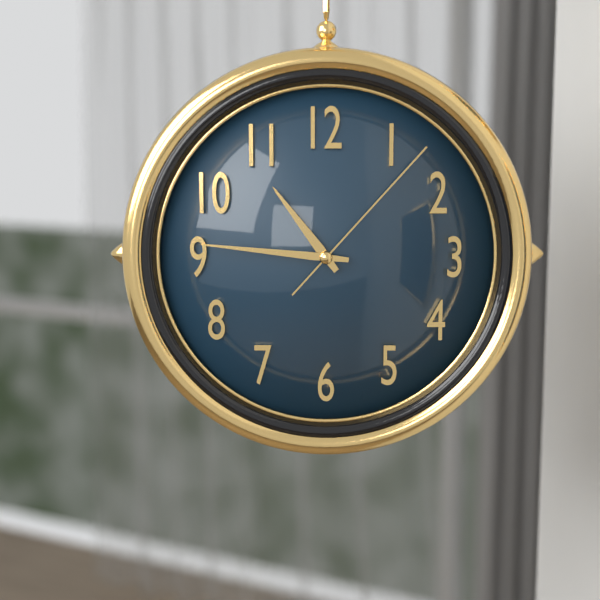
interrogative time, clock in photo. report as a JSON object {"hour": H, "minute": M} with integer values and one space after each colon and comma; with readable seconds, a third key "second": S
{"hour": 10, "minute": 46, "second": 7}
